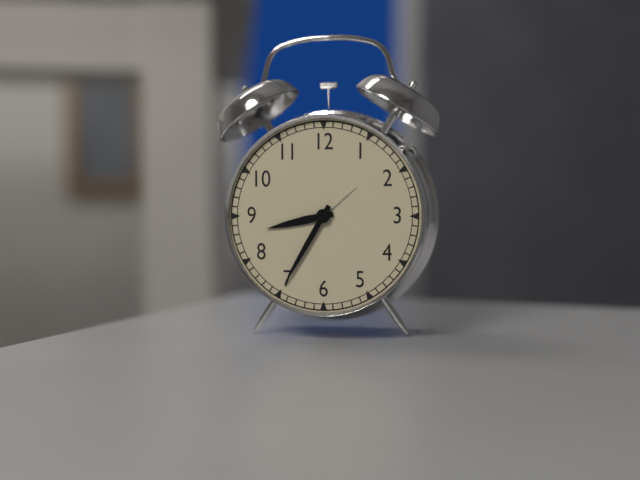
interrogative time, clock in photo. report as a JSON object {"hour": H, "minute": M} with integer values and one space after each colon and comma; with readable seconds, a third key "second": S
{"hour": 8, "minute": 35}
